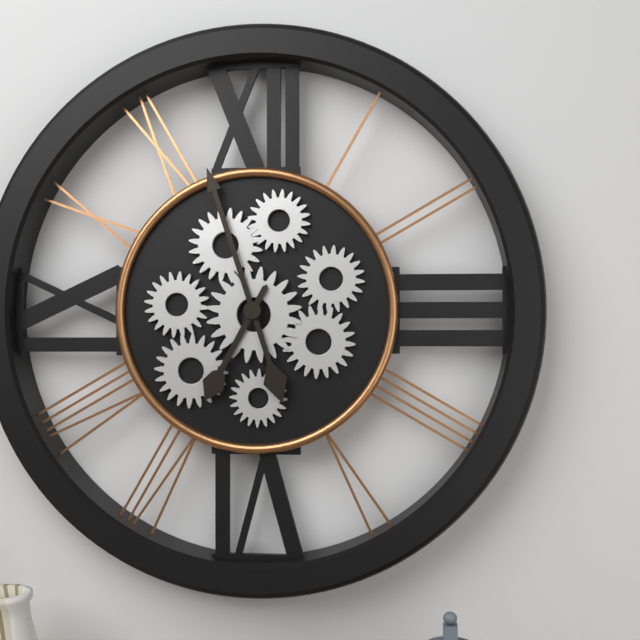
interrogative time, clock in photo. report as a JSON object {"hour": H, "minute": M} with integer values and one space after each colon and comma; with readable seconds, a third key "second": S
{"hour": 6, "minute": 57}
